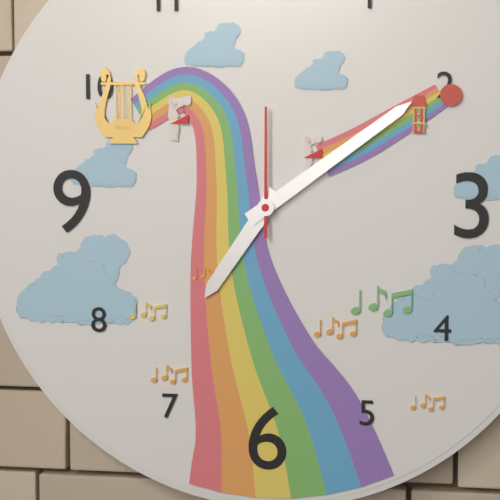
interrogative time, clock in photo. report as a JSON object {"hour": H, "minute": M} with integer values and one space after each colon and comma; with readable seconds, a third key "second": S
{"hour": 7, "minute": 9, "second": 0}
